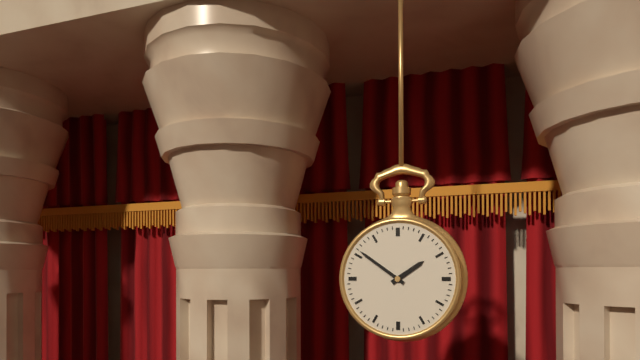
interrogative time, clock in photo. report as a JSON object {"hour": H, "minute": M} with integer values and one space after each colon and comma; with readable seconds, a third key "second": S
{"hour": 1, "minute": 51}
